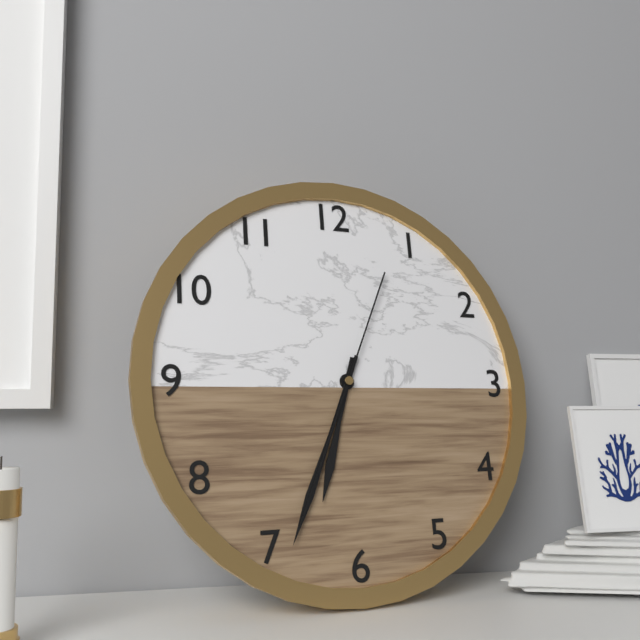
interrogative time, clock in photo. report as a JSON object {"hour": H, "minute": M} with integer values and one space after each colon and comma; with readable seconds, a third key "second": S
{"hour": 6, "minute": 34, "second": 34}
